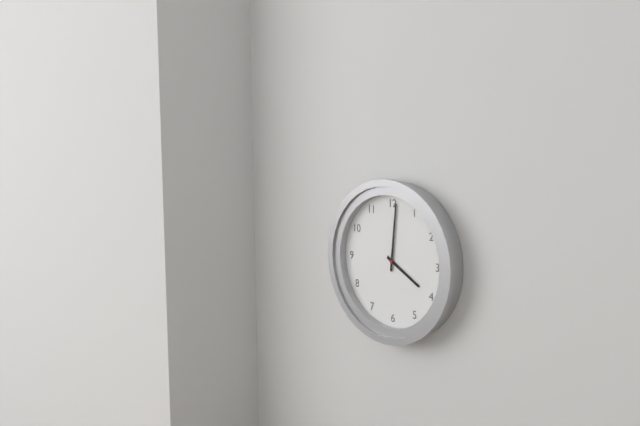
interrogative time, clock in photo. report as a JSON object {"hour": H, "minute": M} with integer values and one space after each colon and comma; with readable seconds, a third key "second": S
{"hour": 4, "minute": 1}
